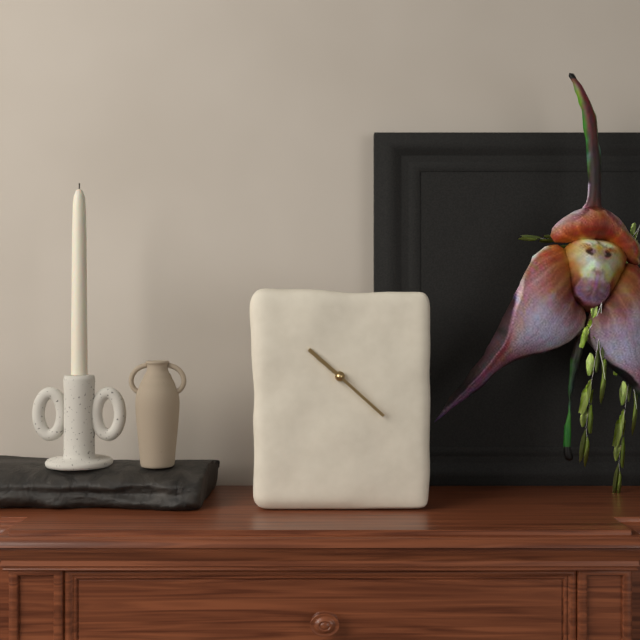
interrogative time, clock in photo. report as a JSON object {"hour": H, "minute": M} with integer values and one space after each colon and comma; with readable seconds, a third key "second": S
{"hour": 10, "minute": 22}
